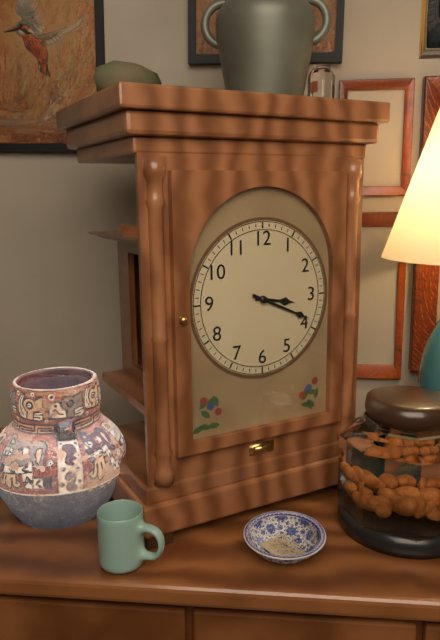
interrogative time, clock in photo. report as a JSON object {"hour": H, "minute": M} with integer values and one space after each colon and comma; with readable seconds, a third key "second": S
{"hour": 3, "minute": 19}
